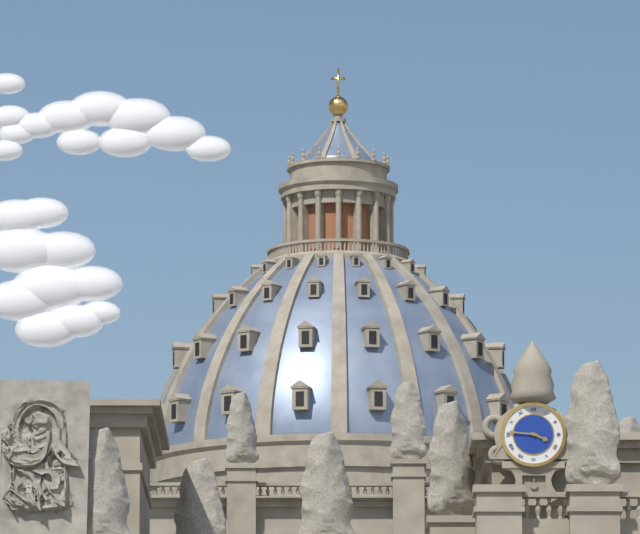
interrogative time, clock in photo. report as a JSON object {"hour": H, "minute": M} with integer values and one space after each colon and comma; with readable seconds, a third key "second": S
{"hour": 3, "minute": 46}
